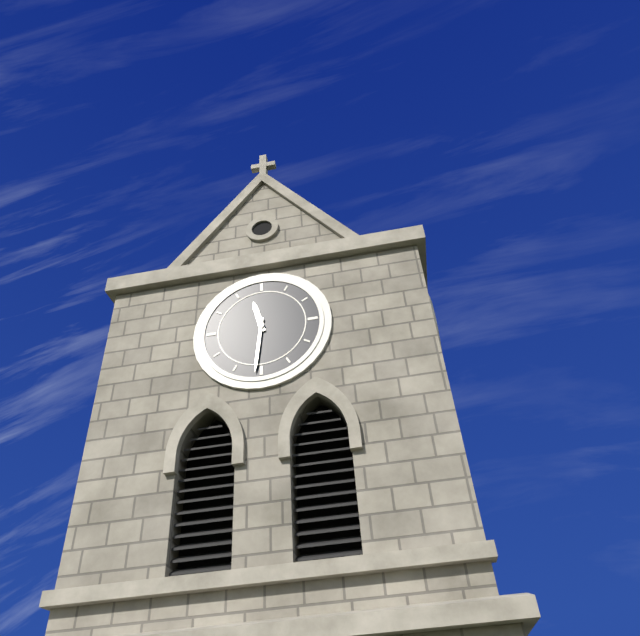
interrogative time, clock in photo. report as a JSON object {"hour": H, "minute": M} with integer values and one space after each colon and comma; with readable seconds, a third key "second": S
{"hour": 11, "minute": 31}
